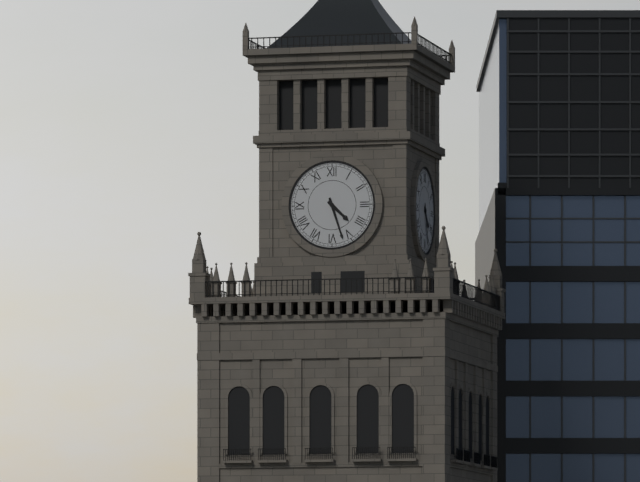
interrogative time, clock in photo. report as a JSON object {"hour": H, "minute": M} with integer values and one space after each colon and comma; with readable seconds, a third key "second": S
{"hour": 4, "minute": 27}
